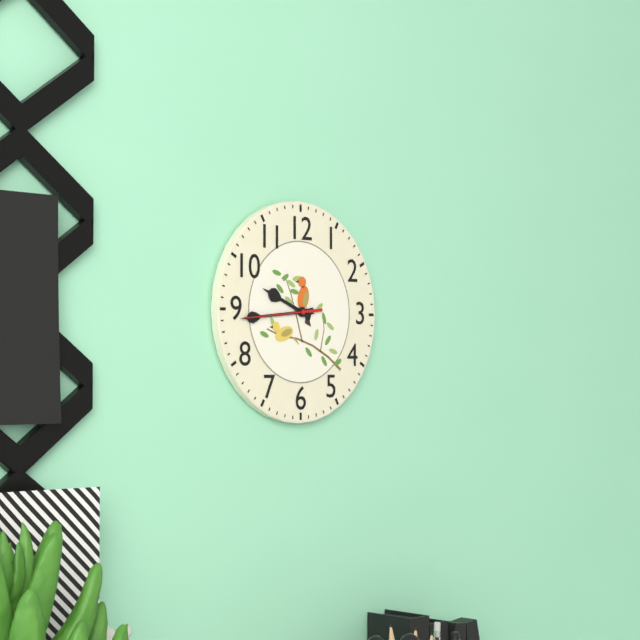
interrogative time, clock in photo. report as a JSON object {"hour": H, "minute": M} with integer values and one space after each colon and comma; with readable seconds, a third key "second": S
{"hour": 9, "minute": 44, "second": 44}
